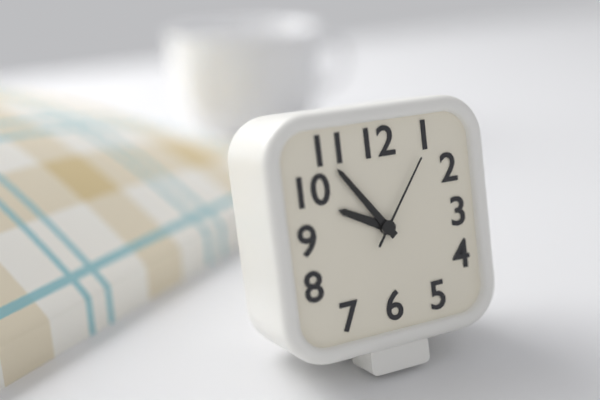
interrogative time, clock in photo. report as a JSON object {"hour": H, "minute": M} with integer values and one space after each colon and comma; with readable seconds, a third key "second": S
{"hour": 9, "minute": 54, "second": 6}
